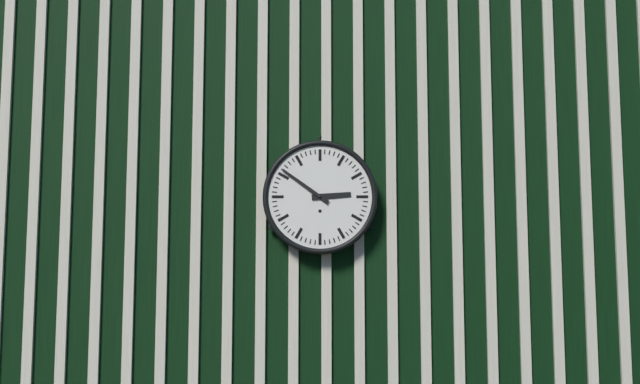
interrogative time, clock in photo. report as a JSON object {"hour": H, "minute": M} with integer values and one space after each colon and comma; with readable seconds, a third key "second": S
{"hour": 2, "minute": 51}
